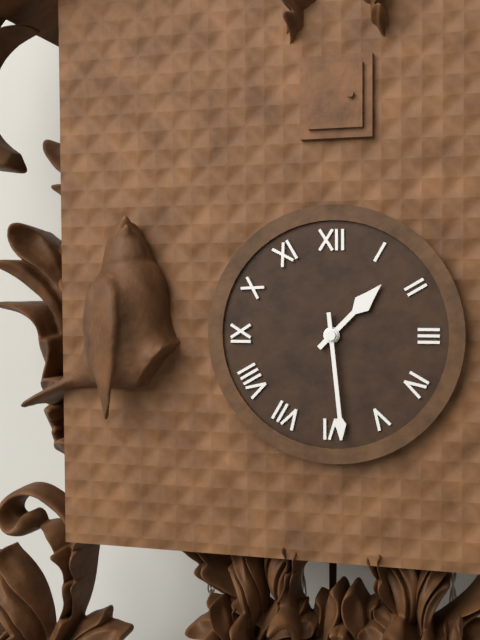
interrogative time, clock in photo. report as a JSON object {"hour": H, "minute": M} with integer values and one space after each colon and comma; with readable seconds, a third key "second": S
{"hour": 1, "minute": 29}
